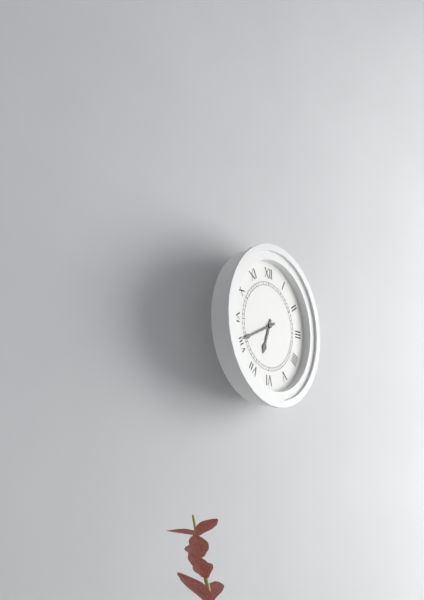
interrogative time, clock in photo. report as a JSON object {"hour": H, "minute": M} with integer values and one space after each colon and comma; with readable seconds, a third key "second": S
{"hour": 6, "minute": 41}
